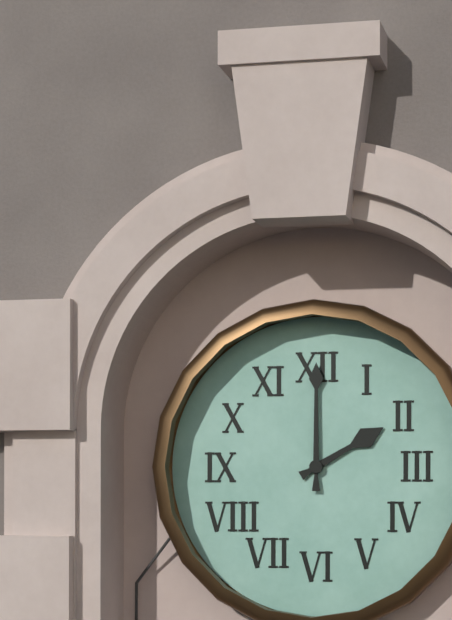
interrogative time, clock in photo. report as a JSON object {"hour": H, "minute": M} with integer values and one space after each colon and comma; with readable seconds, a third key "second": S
{"hour": 2, "minute": 0}
